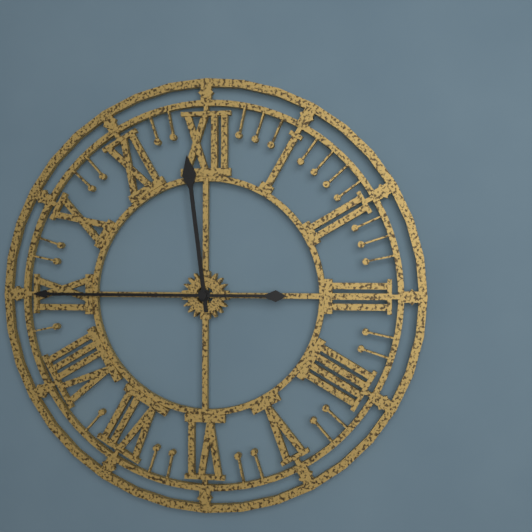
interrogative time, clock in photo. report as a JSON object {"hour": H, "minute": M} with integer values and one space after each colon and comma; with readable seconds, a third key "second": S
{"hour": 11, "minute": 45}
